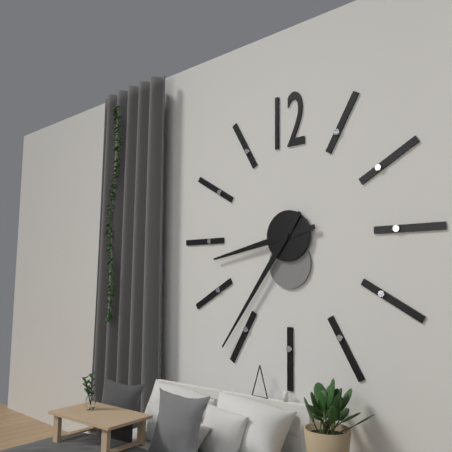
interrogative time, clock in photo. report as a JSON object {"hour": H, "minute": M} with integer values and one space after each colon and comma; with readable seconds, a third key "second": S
{"hour": 8, "minute": 36}
